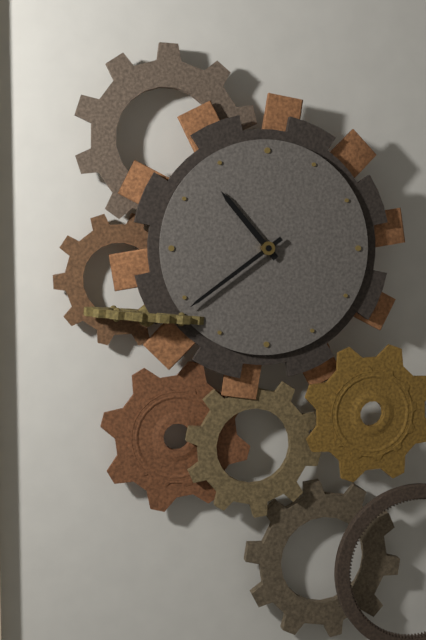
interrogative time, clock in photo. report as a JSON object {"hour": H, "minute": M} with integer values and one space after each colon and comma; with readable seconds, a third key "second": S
{"hour": 10, "minute": 39}
